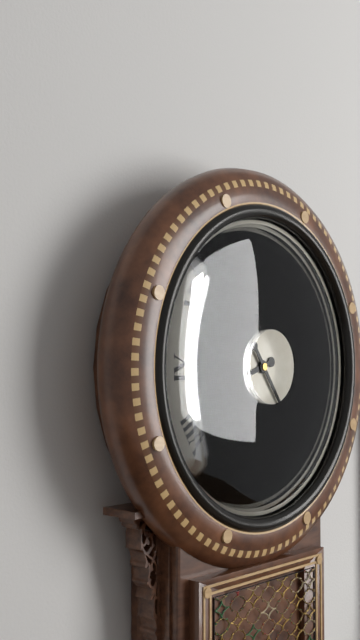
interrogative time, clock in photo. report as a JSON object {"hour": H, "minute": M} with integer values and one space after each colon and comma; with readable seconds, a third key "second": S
{"hour": 8, "minute": 24}
